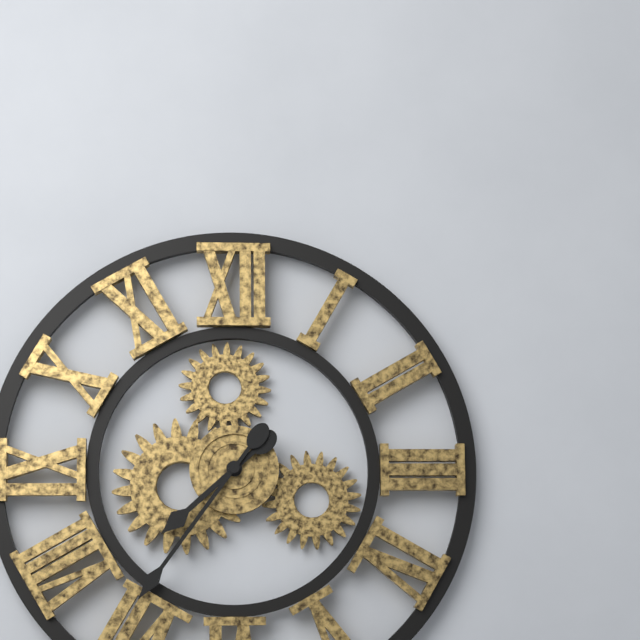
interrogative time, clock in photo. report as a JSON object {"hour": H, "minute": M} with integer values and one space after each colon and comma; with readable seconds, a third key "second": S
{"hour": 7, "minute": 36}
